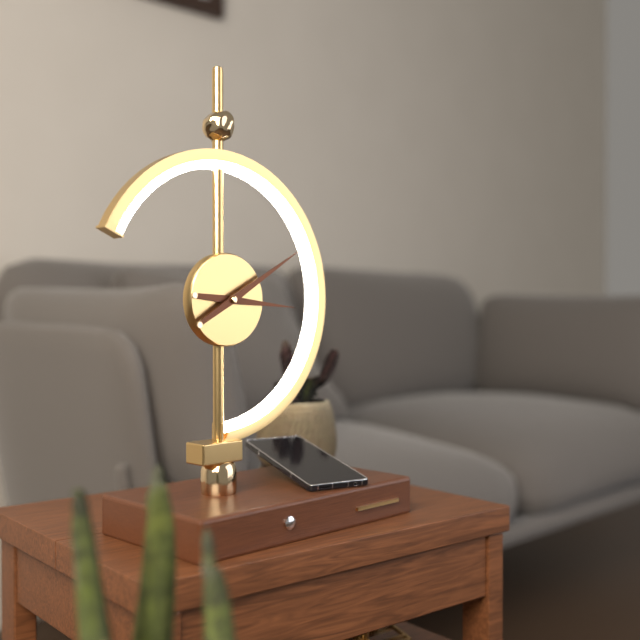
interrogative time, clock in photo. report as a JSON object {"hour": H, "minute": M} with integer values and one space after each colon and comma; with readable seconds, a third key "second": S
{"hour": 3, "minute": 10}
